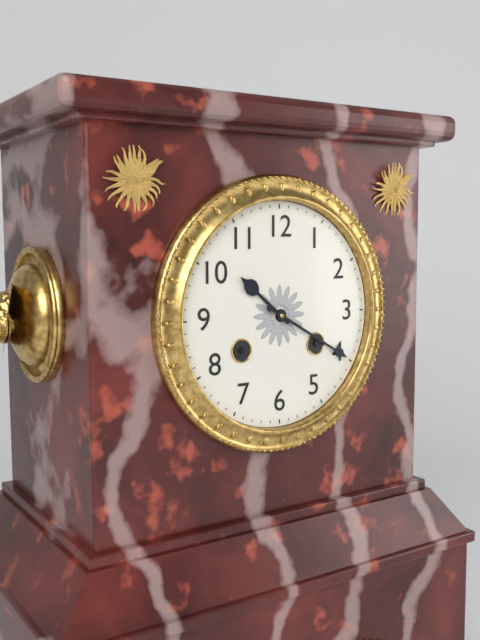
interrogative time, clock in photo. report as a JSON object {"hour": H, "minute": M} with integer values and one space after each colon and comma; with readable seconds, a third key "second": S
{"hour": 10, "minute": 20}
